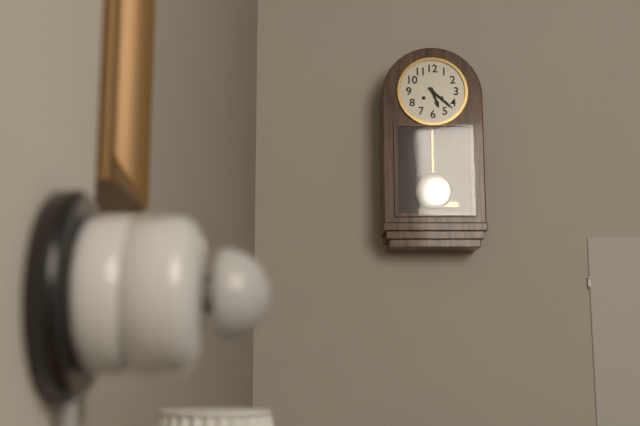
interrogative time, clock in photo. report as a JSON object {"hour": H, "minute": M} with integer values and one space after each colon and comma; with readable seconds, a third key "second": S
{"hour": 5, "minute": 22}
